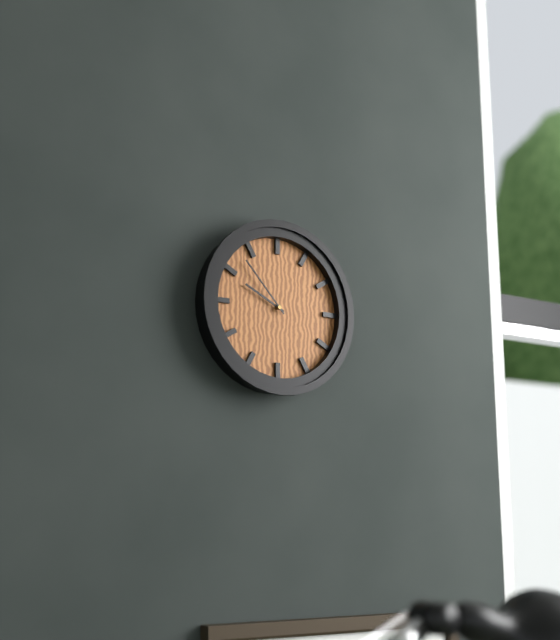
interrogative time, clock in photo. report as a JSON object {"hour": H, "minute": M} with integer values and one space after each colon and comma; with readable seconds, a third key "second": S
{"hour": 9, "minute": 53}
